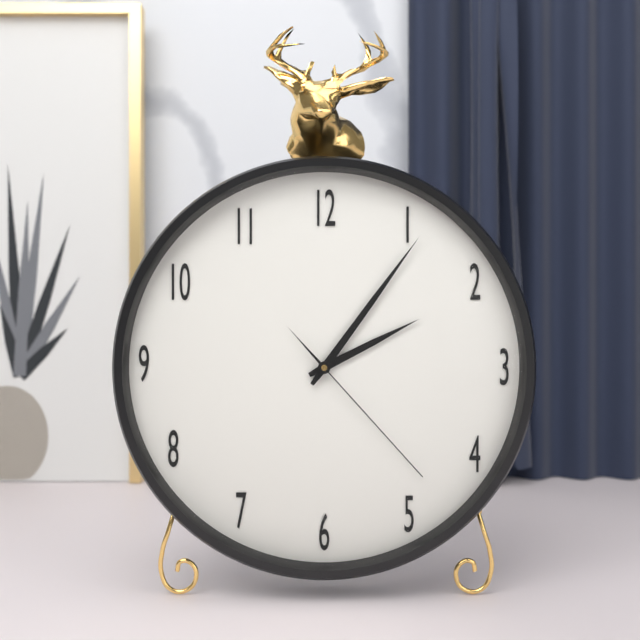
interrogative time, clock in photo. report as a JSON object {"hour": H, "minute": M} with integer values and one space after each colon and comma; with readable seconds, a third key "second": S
{"hour": 2, "minute": 6, "second": 23}
